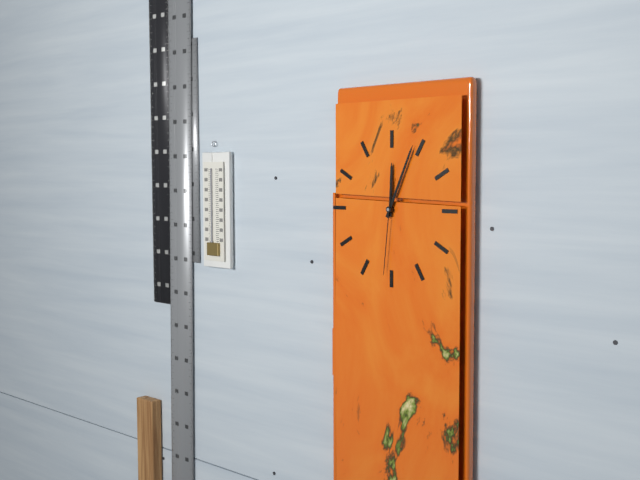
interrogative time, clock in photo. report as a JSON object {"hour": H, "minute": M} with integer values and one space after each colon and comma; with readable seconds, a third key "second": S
{"hour": 12, "minute": 4, "second": 31}
